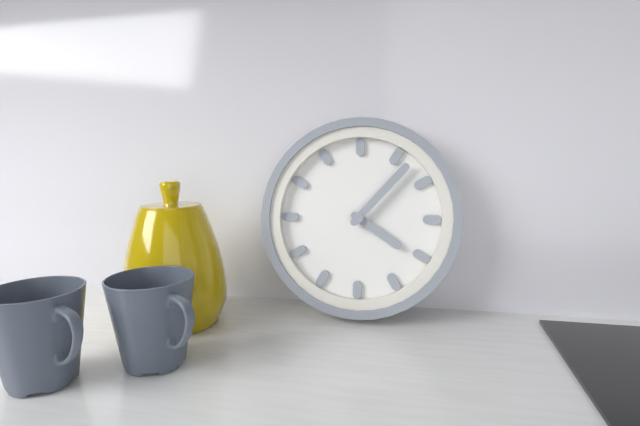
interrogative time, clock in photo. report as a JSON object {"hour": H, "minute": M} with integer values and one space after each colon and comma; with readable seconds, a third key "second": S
{"hour": 4, "minute": 7}
